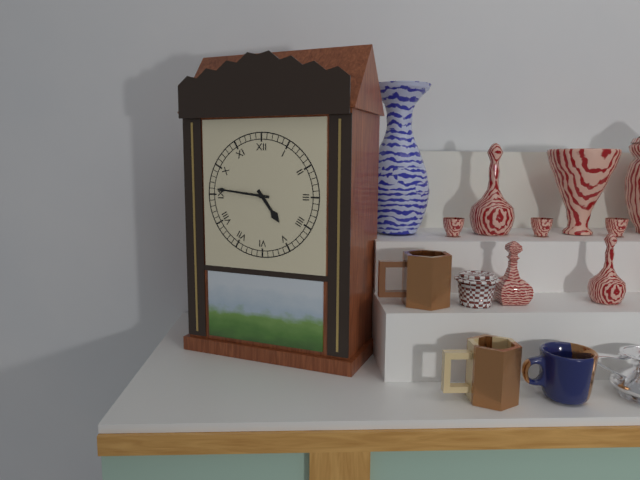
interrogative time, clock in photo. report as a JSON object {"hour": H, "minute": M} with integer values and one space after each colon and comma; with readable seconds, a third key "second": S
{"hour": 4, "minute": 46}
